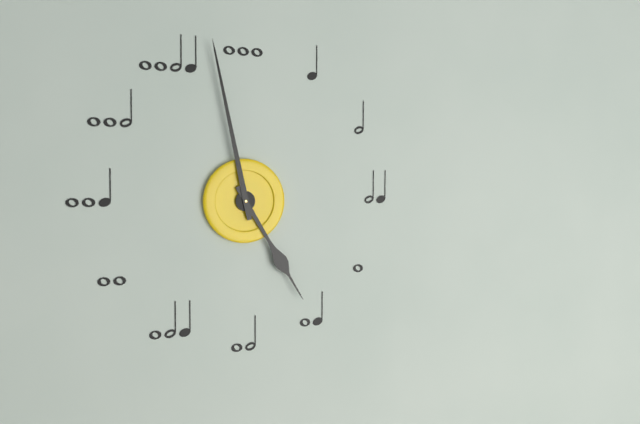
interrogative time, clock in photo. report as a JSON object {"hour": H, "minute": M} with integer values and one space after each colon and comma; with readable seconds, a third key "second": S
{"hour": 4, "minute": 58}
